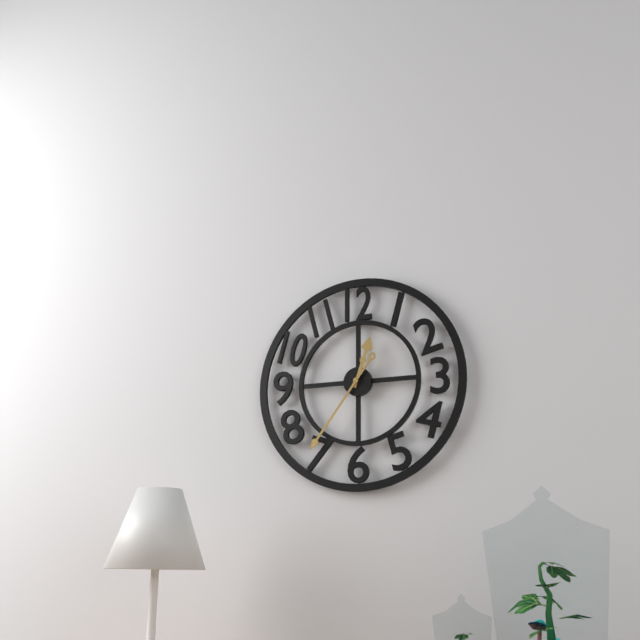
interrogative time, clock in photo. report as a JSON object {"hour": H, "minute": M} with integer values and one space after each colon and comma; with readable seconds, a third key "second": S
{"hour": 12, "minute": 36}
